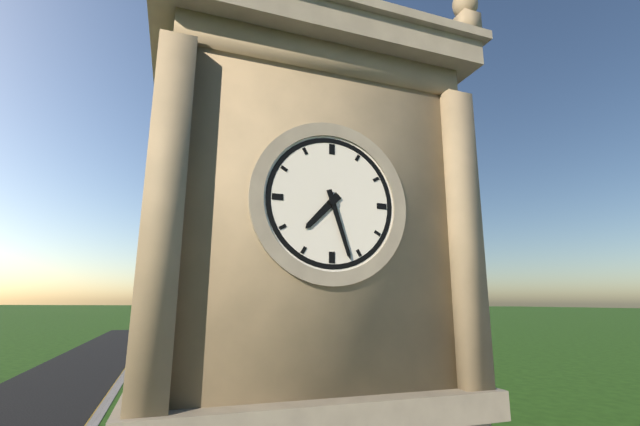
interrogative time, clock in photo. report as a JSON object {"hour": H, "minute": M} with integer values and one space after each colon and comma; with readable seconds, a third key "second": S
{"hour": 7, "minute": 27}
